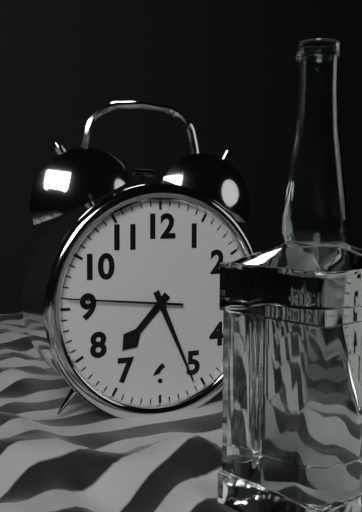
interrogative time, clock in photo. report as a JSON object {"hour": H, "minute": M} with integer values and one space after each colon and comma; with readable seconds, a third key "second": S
{"hour": 7, "minute": 26, "second": 46}
